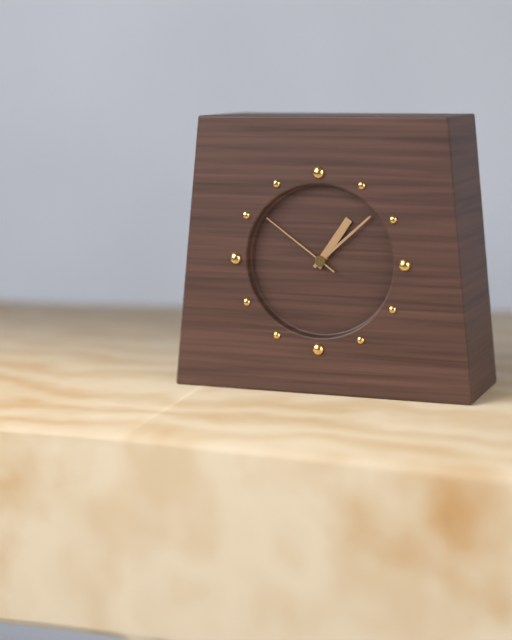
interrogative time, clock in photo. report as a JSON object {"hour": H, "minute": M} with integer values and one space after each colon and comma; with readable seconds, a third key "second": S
{"hour": 1, "minute": 8, "second": 51}
